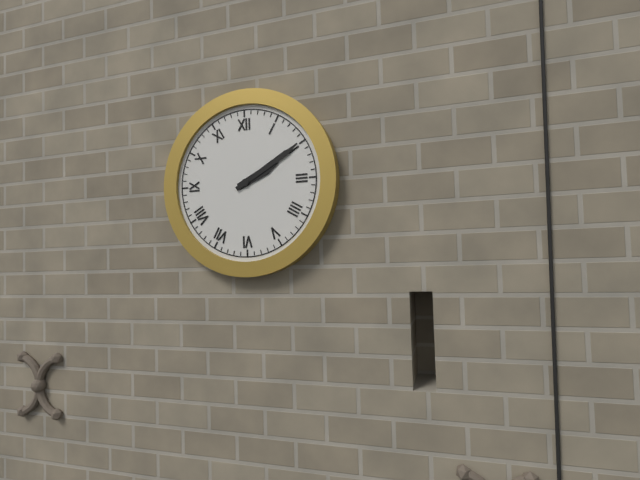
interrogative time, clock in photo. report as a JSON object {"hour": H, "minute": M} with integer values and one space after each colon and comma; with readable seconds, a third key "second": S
{"hour": 2, "minute": 10}
